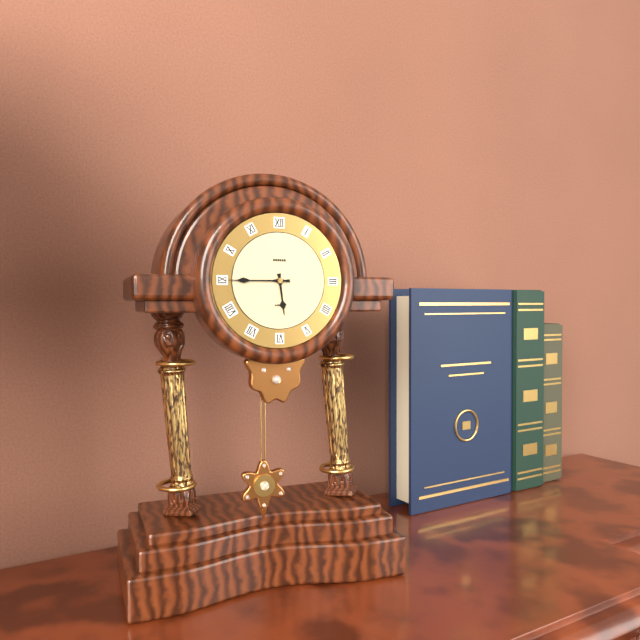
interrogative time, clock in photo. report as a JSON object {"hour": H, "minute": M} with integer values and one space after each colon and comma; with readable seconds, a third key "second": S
{"hour": 5, "minute": 45}
